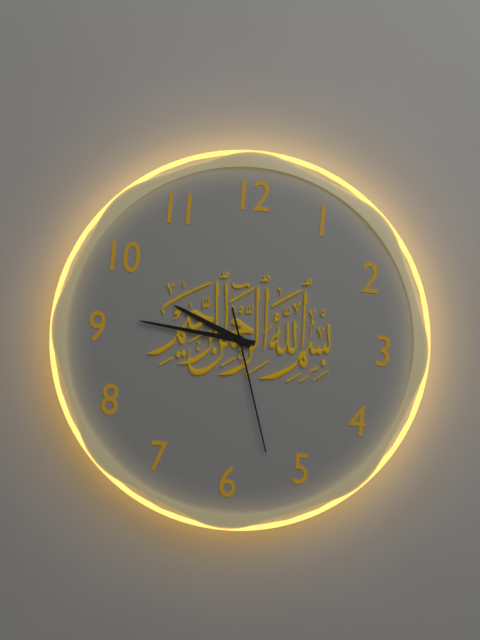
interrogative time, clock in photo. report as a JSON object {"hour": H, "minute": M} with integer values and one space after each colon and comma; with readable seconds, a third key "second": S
{"hour": 9, "minute": 46, "second": 27}
